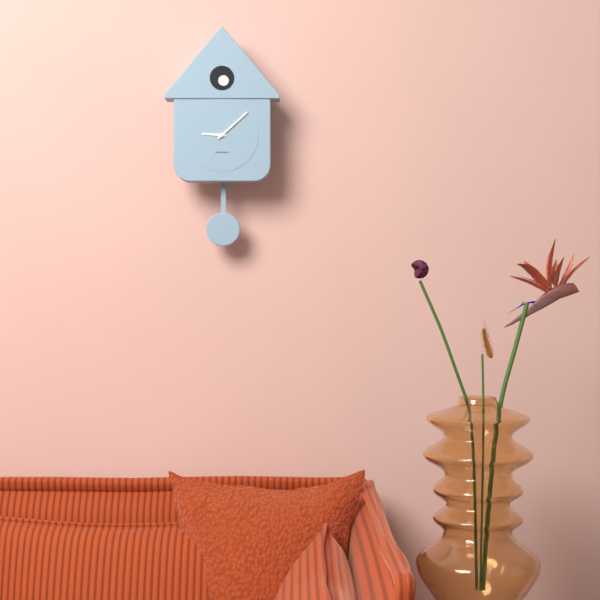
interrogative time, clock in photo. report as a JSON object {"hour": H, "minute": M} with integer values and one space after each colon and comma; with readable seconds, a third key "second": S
{"hour": 9, "minute": 8}
